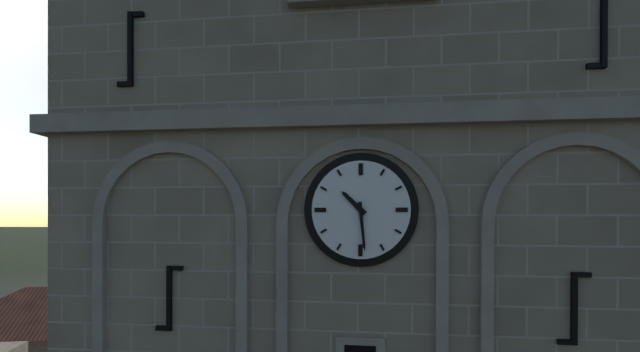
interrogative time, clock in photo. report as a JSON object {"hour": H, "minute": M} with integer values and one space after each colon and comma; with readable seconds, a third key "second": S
{"hour": 10, "minute": 29}
